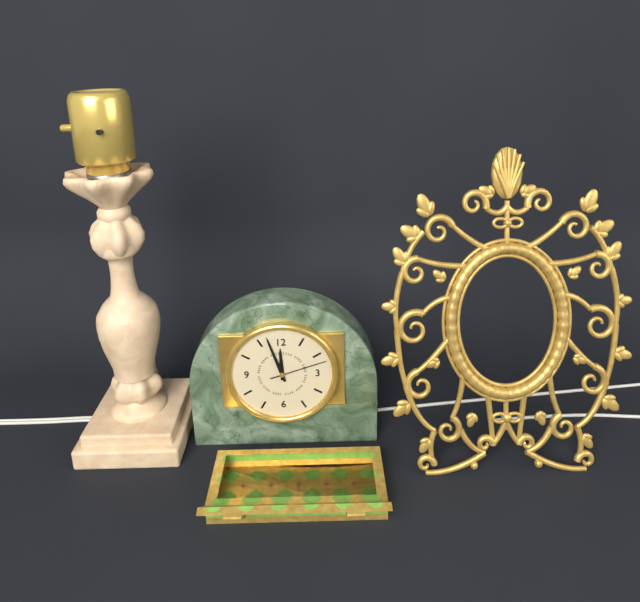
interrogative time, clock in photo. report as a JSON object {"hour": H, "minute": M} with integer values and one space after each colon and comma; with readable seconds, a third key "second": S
{"hour": 11, "minute": 57, "second": 12}
